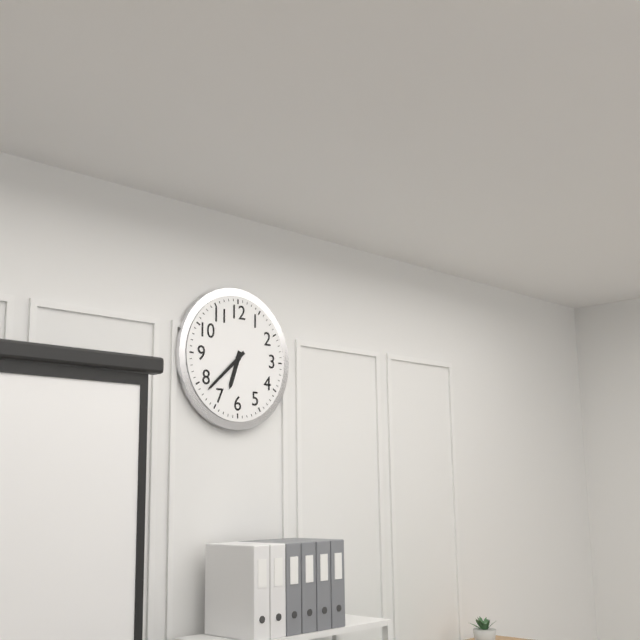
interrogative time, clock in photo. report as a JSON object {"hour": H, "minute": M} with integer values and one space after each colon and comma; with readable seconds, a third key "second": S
{"hour": 6, "minute": 38}
